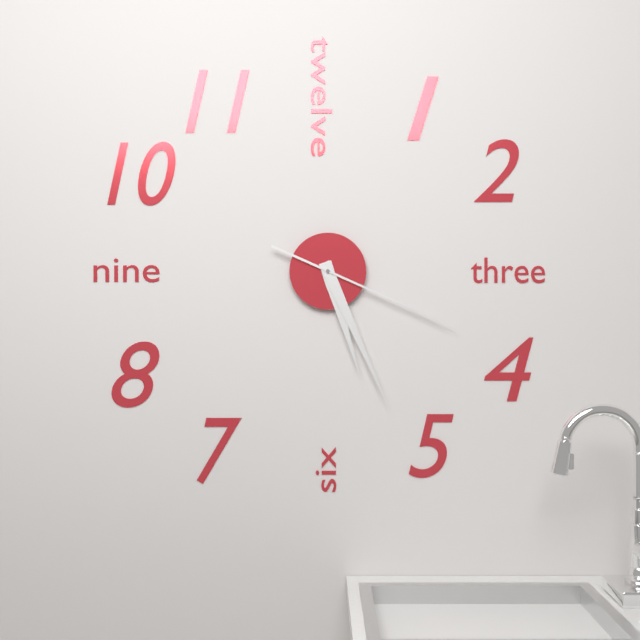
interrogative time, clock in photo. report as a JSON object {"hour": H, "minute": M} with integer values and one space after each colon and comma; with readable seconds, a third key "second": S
{"hour": 5, "minute": 26, "second": 19}
